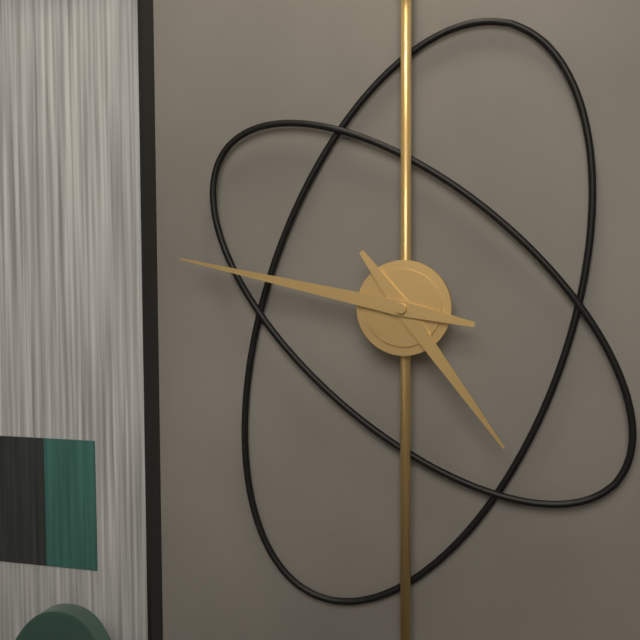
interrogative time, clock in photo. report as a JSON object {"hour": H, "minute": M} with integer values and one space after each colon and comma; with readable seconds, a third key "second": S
{"hour": 4, "minute": 47}
